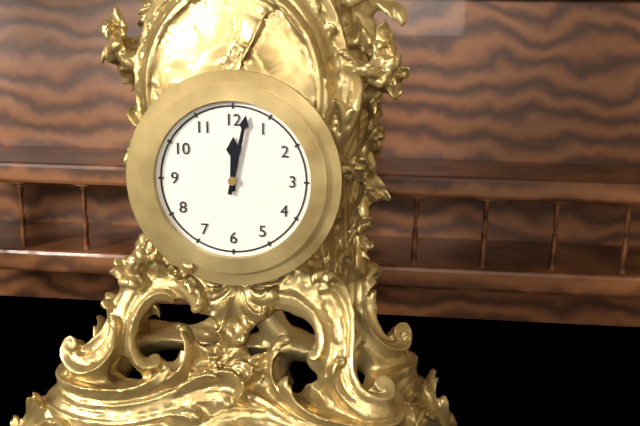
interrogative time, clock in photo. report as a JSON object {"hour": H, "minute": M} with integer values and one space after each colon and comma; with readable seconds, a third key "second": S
{"hour": 12, "minute": 2}
